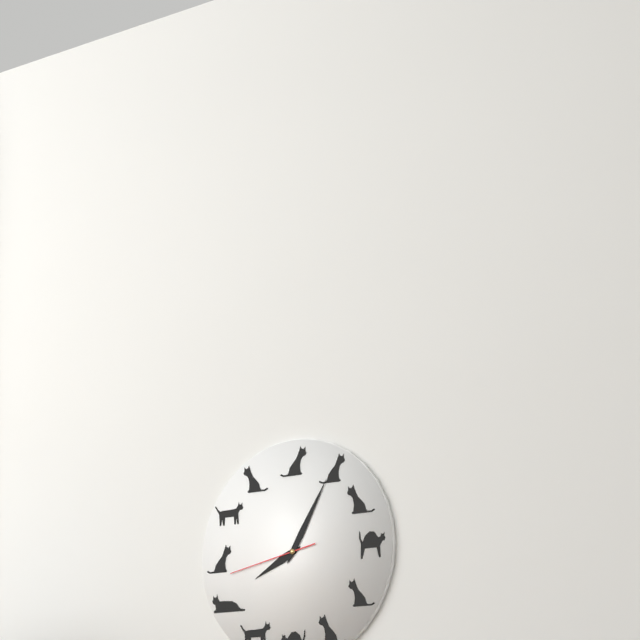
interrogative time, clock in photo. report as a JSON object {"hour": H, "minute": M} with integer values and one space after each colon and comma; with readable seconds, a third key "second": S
{"hour": 8, "minute": 5, "second": 43}
